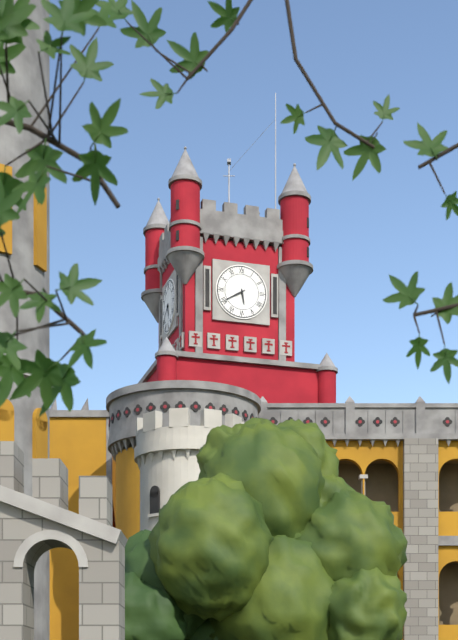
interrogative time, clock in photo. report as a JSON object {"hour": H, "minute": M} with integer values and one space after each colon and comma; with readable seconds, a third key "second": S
{"hour": 5, "minute": 40}
